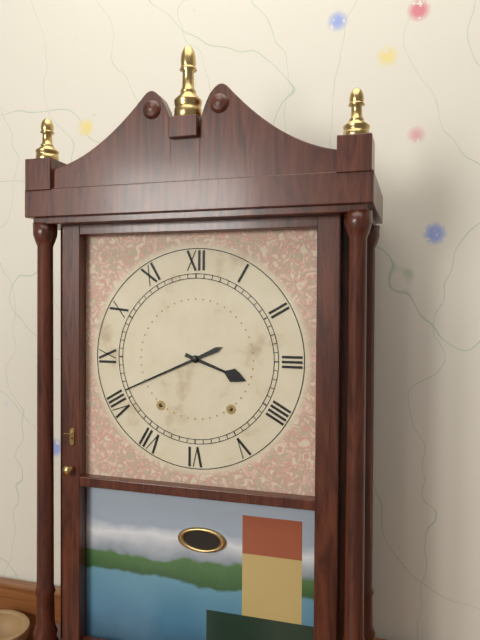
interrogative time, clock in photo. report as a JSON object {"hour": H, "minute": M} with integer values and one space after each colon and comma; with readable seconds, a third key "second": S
{"hour": 3, "minute": 41}
